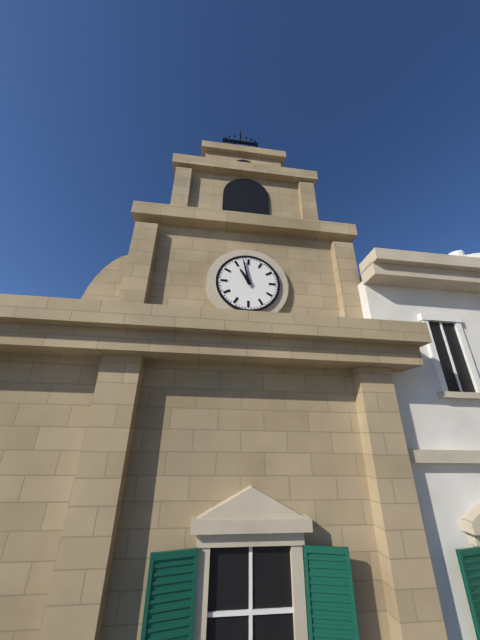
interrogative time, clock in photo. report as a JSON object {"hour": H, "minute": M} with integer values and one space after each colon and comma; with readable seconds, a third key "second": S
{"hour": 10, "minute": 58}
